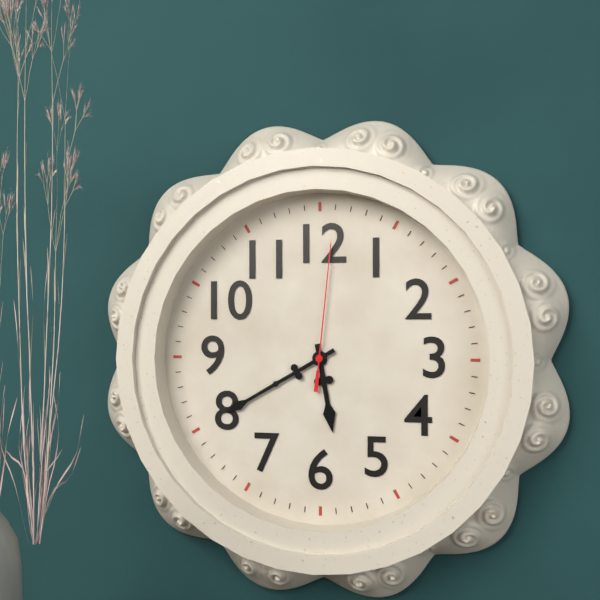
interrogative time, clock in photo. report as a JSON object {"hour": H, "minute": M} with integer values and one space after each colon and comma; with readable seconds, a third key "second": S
{"hour": 5, "minute": 40, "second": 1}
